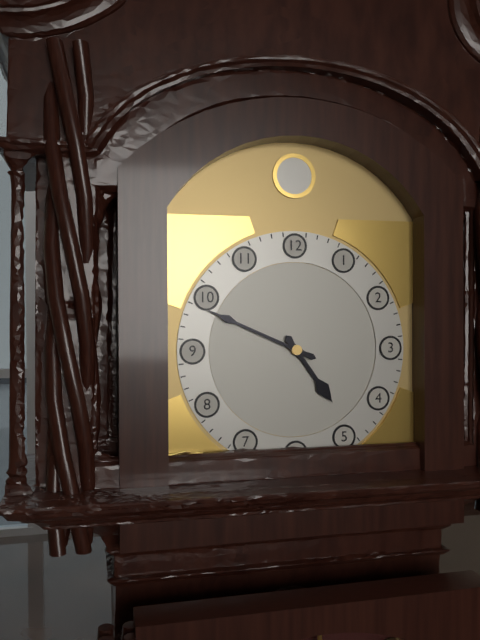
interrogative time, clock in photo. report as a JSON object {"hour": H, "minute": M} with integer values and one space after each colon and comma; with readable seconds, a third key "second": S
{"hour": 4, "minute": 49}
